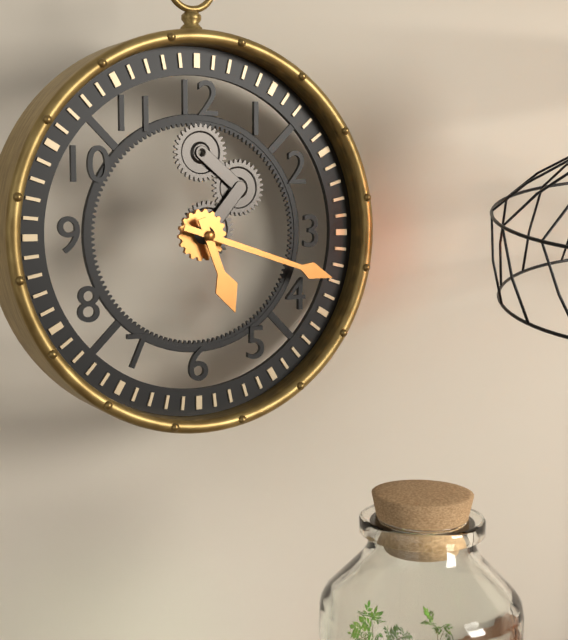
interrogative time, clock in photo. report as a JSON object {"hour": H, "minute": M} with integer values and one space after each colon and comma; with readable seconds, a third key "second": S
{"hour": 5, "minute": 18}
